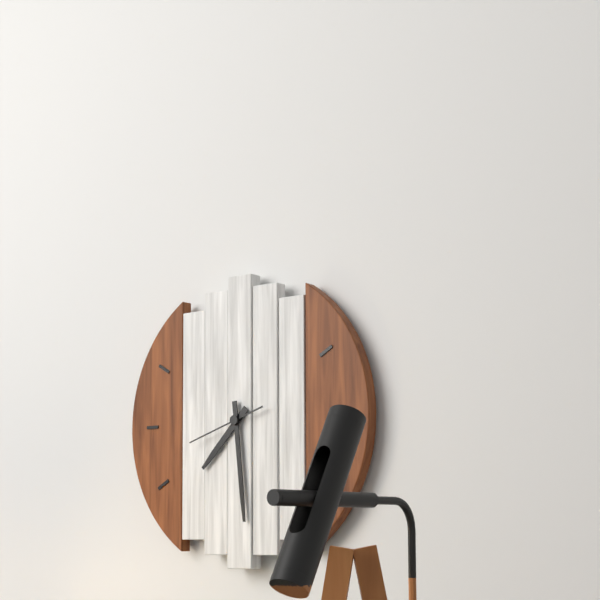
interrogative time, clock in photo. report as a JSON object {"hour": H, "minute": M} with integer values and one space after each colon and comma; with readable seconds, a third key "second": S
{"hour": 7, "minute": 29, "second": 42}
